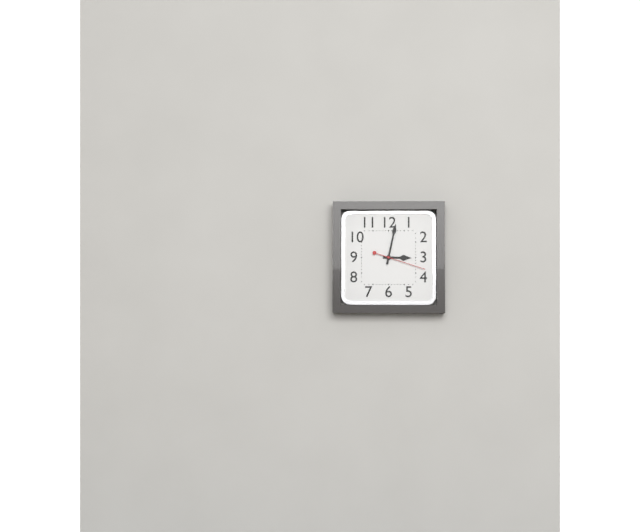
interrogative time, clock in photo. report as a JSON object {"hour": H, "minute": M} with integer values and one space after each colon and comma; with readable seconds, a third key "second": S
{"hour": 3, "minute": 2}
